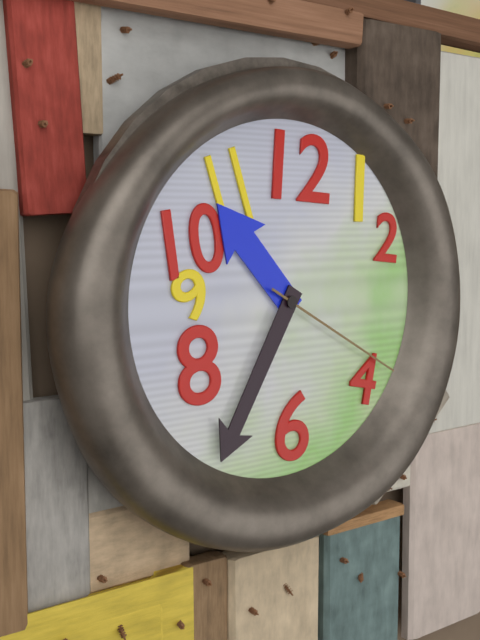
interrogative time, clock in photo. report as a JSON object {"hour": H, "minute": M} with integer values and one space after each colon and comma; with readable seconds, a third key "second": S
{"hour": 10, "minute": 35, "second": 20}
